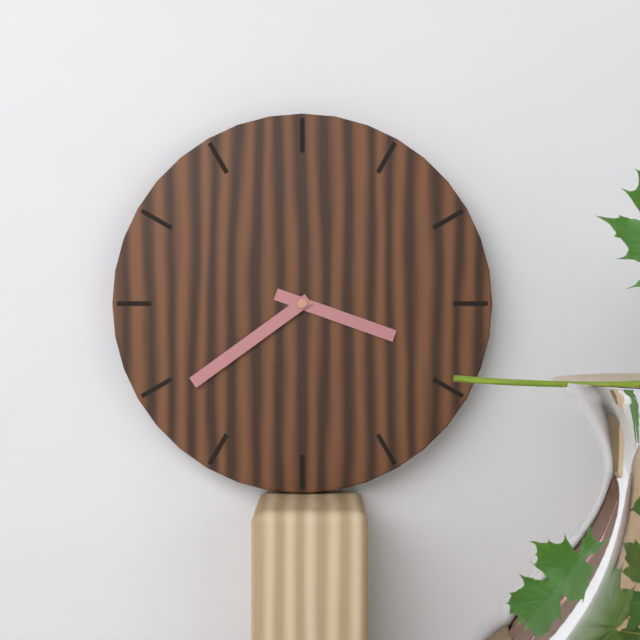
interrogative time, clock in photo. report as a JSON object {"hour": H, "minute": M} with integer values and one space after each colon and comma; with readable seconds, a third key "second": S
{"hour": 3, "minute": 39}
